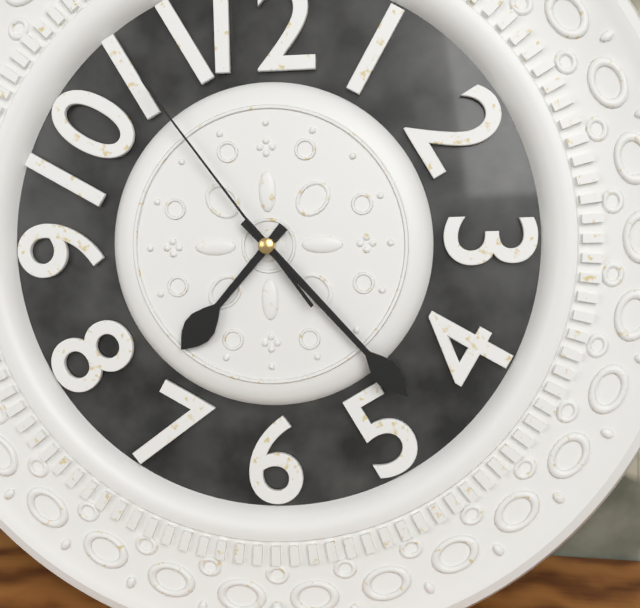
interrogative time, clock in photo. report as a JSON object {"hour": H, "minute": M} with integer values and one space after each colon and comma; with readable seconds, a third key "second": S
{"hour": 7, "minute": 23, "second": 54}
